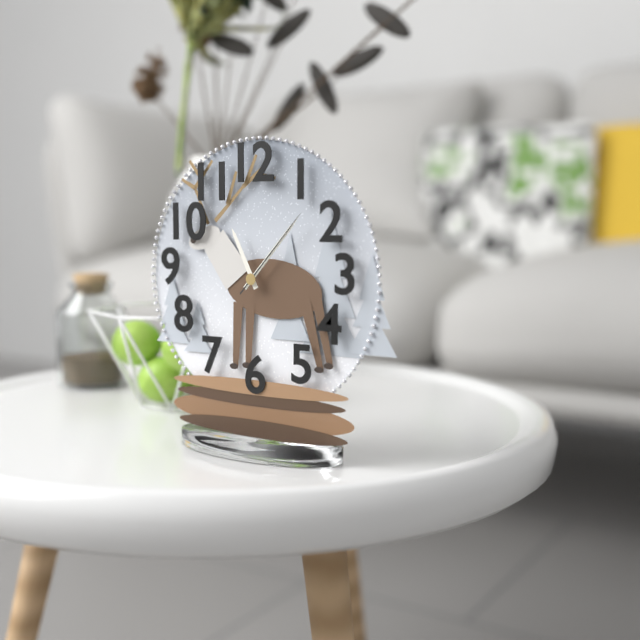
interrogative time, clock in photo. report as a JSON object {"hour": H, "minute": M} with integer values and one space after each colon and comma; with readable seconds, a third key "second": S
{"hour": 11, "minute": 7, "second": 7}
